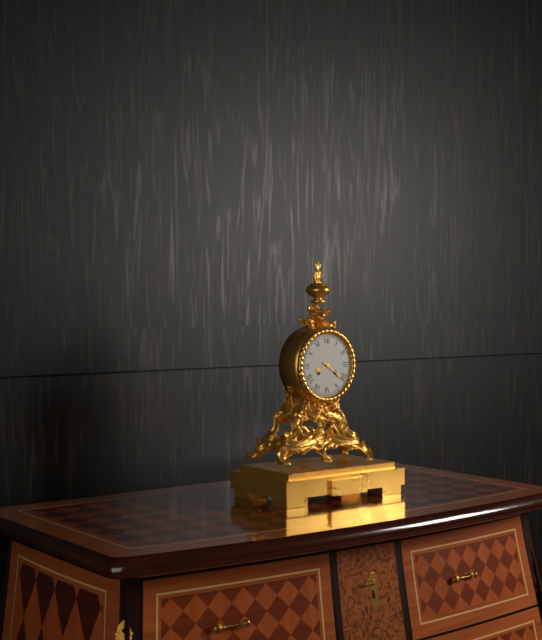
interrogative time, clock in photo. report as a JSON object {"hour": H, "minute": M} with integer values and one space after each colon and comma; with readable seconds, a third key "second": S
{"hour": 8, "minute": 21}
